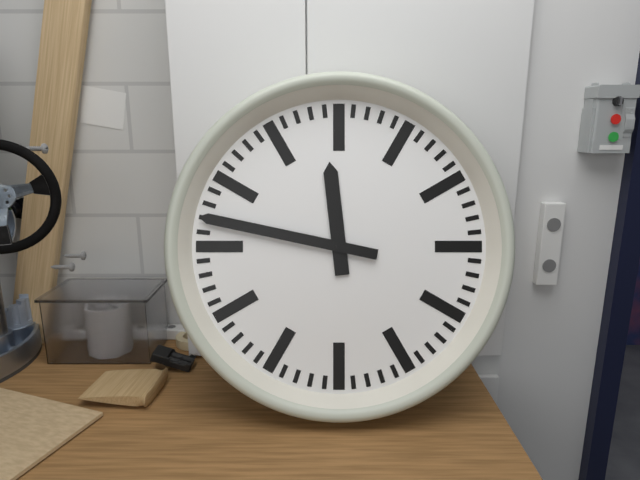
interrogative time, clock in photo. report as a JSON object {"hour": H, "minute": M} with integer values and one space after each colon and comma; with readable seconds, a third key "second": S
{"hour": 11, "minute": 47}
